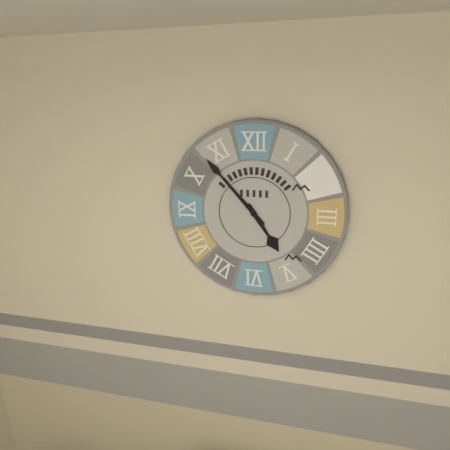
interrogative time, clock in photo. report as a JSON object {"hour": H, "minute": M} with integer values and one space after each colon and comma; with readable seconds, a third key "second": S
{"hour": 4, "minute": 53}
